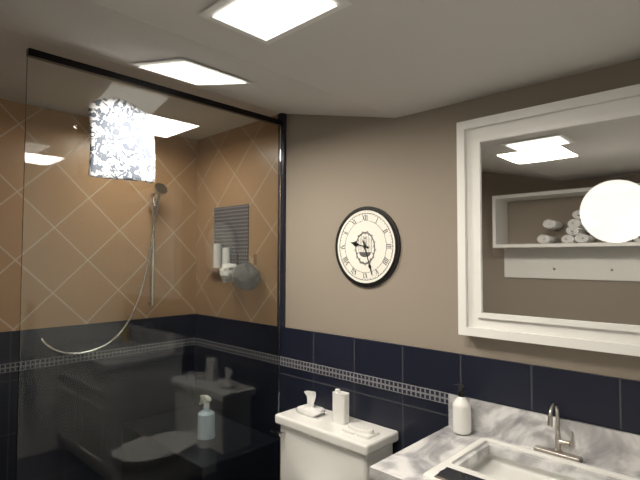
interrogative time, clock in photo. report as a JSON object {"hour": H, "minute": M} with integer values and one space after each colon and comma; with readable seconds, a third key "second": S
{"hour": 9, "minute": 27}
